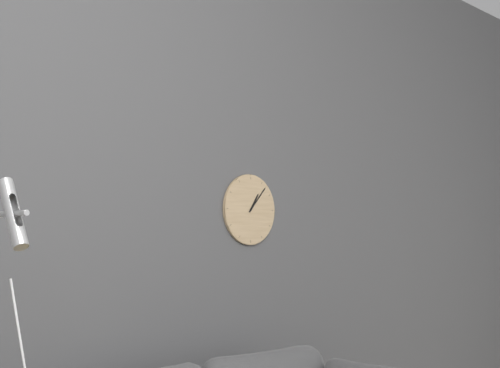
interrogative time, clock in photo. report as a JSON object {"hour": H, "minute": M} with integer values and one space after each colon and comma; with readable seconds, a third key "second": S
{"hour": 1, "minute": 7}
